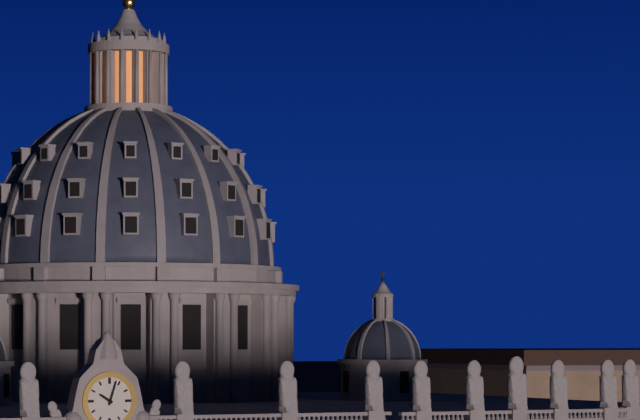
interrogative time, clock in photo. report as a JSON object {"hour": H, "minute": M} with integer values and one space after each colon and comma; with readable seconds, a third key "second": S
{"hour": 10, "minute": 3}
